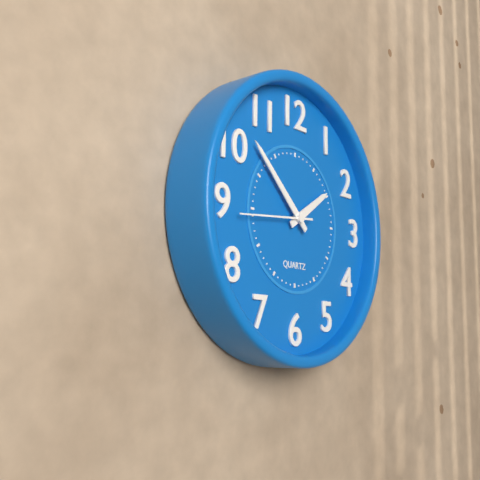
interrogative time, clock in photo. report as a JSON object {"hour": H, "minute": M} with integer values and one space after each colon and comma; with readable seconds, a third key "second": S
{"hour": 1, "minute": 52, "second": 44}
